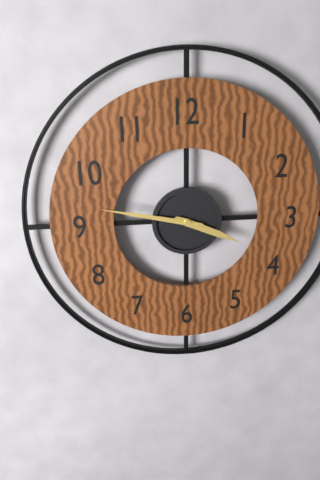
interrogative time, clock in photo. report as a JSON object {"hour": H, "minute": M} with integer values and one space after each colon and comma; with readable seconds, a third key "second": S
{"hour": 3, "minute": 47}
